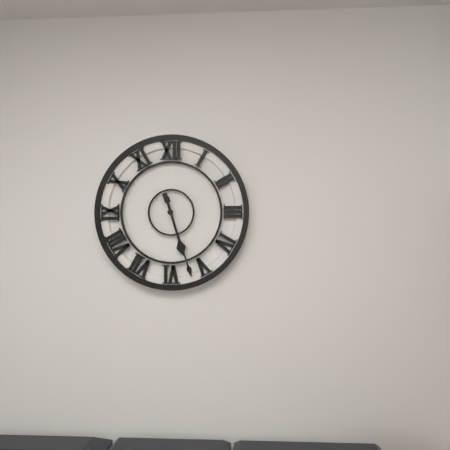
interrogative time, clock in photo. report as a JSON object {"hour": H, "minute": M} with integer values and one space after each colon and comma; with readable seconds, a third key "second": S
{"hour": 5, "minute": 27}
